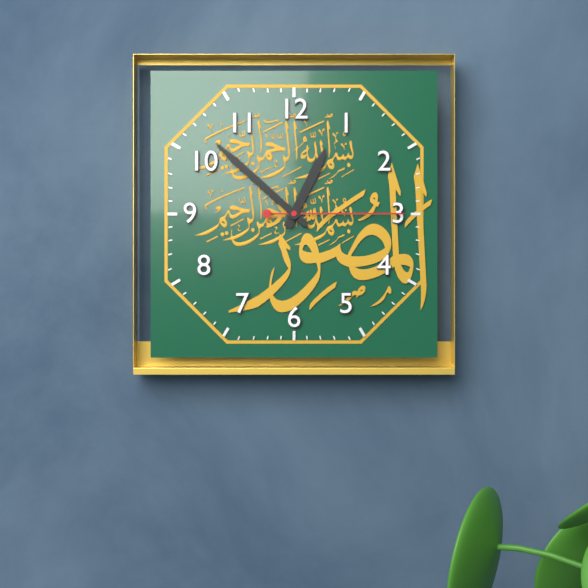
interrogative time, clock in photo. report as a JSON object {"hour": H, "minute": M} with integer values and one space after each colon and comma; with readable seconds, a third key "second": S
{"hour": 12, "minute": 52, "second": 15}
